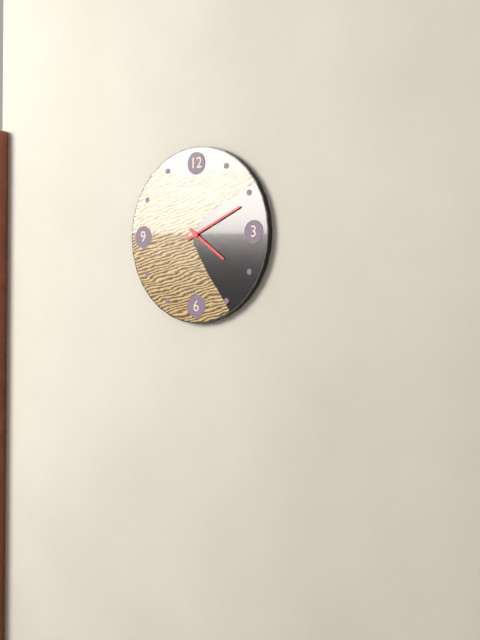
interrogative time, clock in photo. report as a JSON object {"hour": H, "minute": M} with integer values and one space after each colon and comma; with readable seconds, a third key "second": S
{"hour": 4, "minute": 11}
